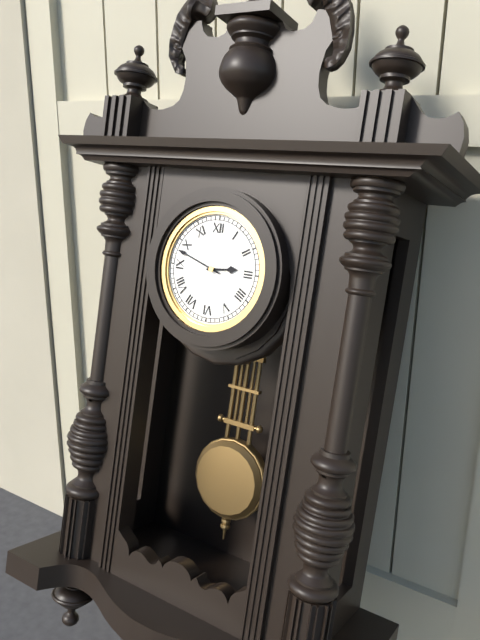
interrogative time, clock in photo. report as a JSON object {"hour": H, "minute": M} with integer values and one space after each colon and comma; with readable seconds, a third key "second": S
{"hour": 2, "minute": 48}
